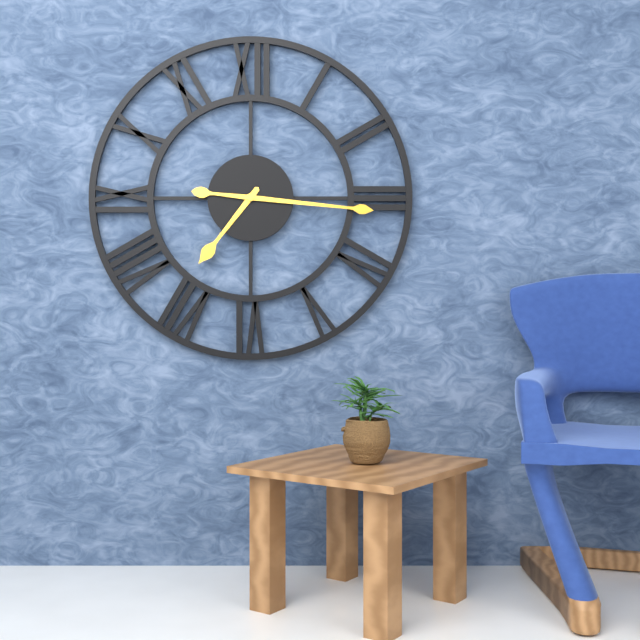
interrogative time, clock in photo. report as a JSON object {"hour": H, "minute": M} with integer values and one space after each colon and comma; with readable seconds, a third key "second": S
{"hour": 7, "minute": 16}
